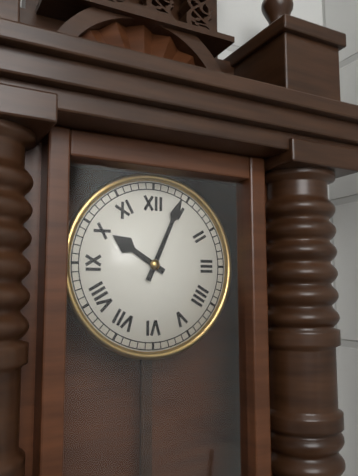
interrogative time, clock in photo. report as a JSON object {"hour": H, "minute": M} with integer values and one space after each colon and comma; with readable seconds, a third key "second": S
{"hour": 10, "minute": 4}
